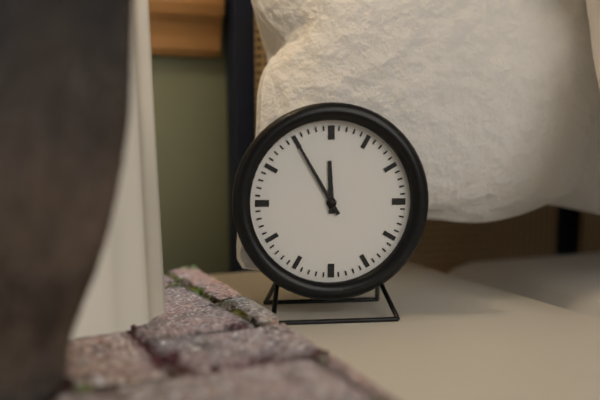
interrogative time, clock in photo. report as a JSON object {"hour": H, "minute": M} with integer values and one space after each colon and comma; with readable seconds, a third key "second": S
{"hour": 11, "minute": 55}
